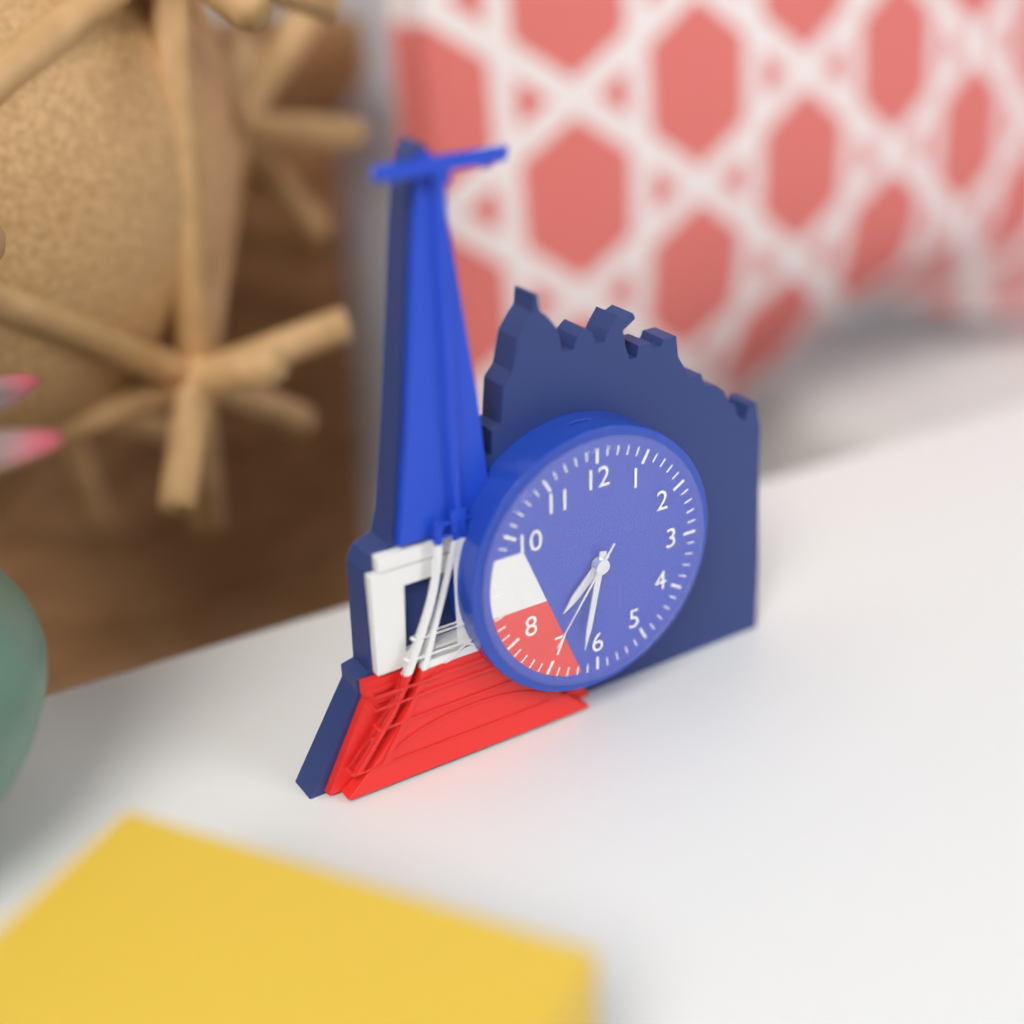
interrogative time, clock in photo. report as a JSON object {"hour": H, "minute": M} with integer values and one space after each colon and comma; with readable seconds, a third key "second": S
{"hour": 7, "minute": 32, "second": 36}
